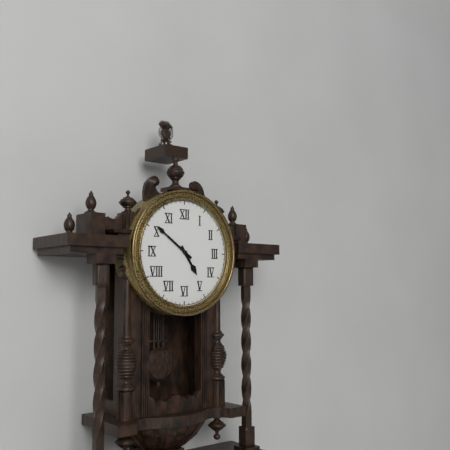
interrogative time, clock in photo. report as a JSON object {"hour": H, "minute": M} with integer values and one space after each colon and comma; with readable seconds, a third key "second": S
{"hour": 4, "minute": 51}
